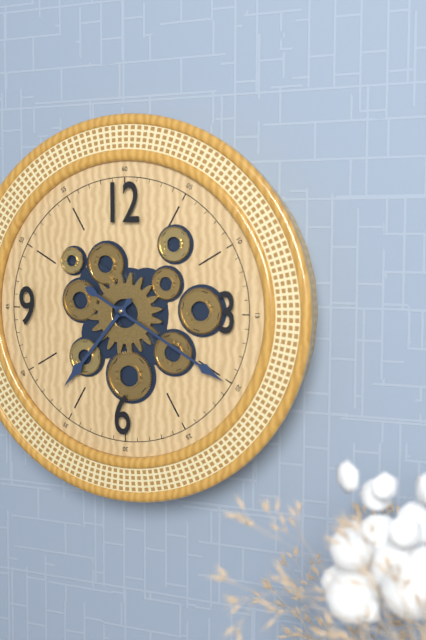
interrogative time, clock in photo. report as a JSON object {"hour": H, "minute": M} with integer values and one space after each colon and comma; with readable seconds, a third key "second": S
{"hour": 7, "minute": 20}
